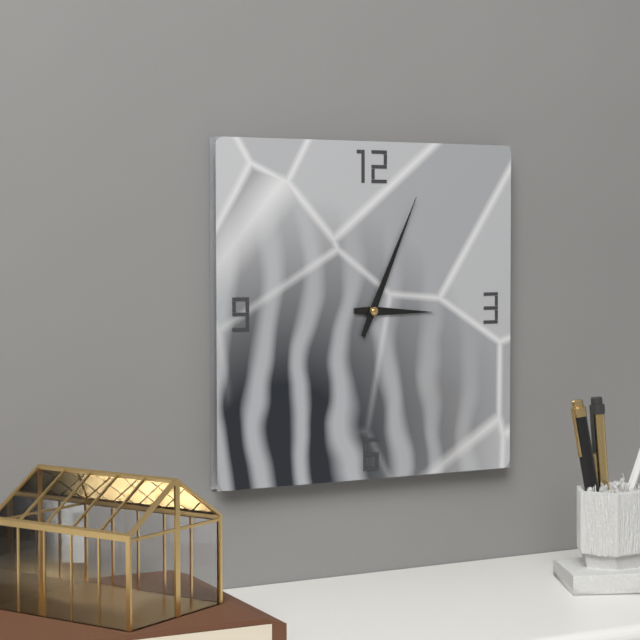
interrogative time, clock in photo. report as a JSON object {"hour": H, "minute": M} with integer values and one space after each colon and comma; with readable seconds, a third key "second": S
{"hour": 3, "minute": 4}
